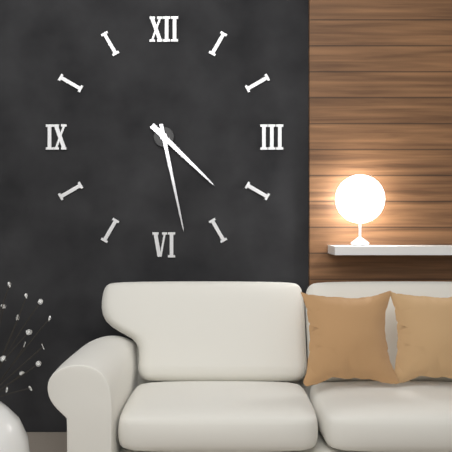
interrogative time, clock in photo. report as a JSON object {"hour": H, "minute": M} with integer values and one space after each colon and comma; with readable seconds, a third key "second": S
{"hour": 4, "minute": 28}
